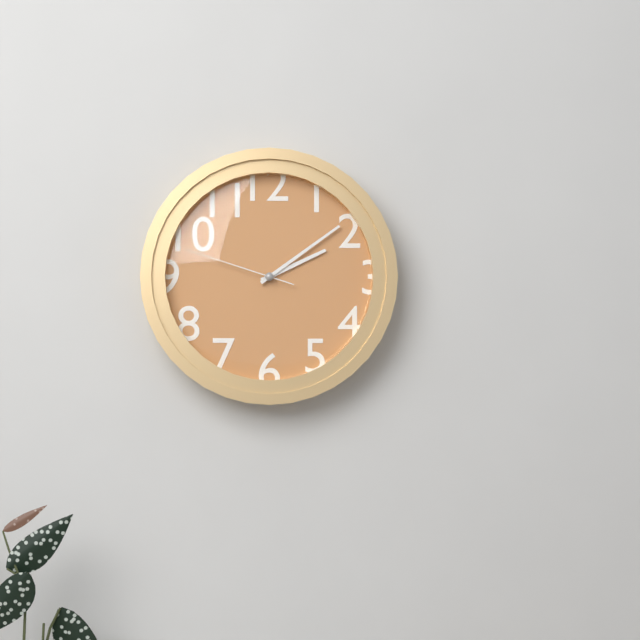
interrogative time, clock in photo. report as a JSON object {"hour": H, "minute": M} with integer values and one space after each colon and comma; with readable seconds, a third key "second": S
{"hour": 2, "minute": 9, "second": 48}
